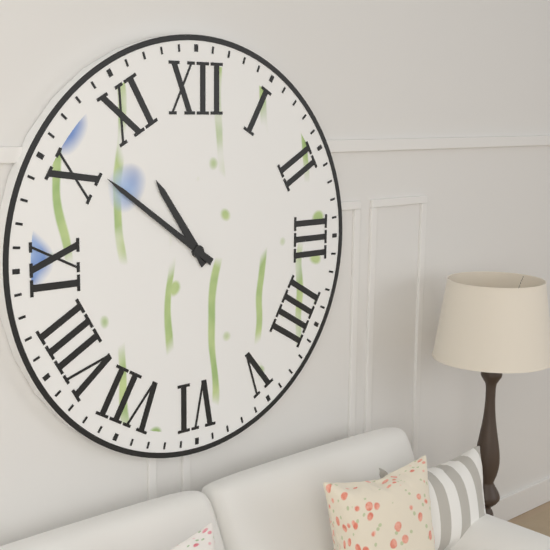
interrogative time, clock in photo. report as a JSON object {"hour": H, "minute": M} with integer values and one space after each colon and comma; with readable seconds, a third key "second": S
{"hour": 10, "minute": 51}
